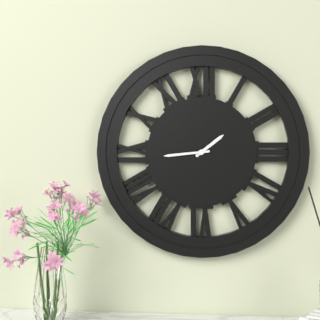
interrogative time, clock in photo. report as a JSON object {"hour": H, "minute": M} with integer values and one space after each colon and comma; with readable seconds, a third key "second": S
{"hour": 1, "minute": 44}
